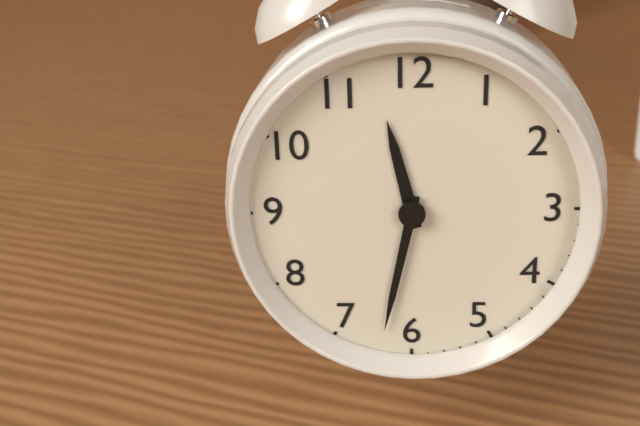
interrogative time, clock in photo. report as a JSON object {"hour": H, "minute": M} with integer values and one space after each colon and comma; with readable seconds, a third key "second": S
{"hour": 11, "minute": 32}
